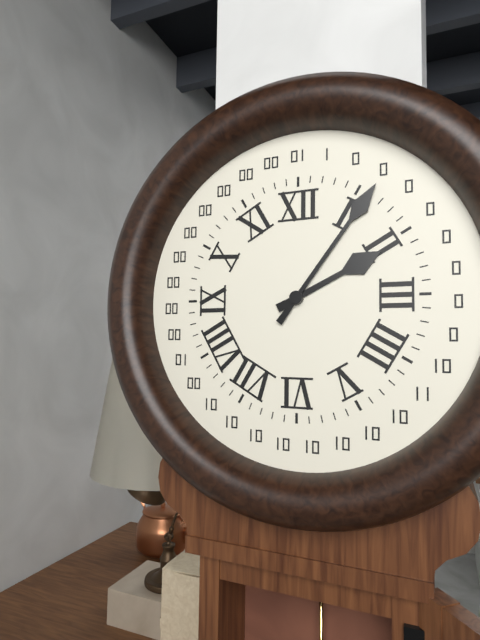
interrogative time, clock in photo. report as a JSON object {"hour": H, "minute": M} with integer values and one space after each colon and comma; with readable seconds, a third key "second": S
{"hour": 2, "minute": 6}
